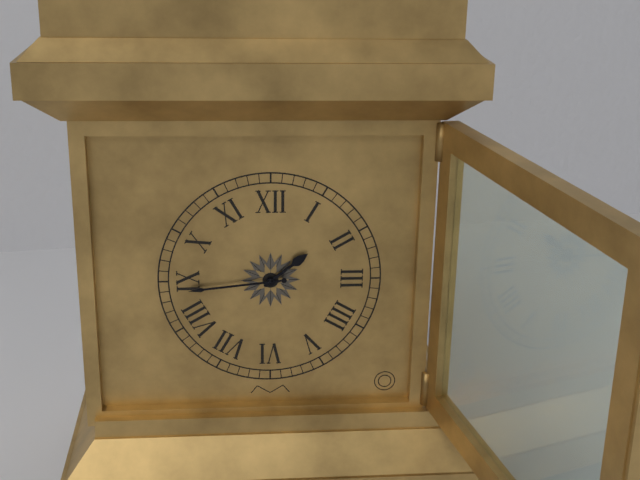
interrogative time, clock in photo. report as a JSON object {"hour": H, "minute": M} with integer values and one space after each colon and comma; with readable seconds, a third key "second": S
{"hour": 1, "minute": 44}
